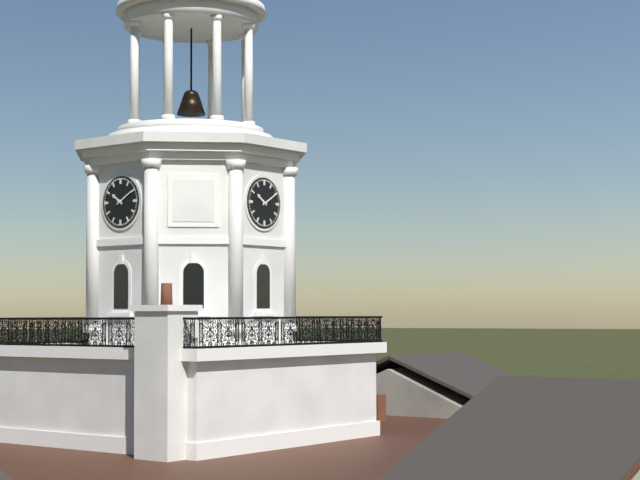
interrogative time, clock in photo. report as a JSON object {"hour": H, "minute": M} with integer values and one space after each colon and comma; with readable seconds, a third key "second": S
{"hour": 10, "minute": 10}
